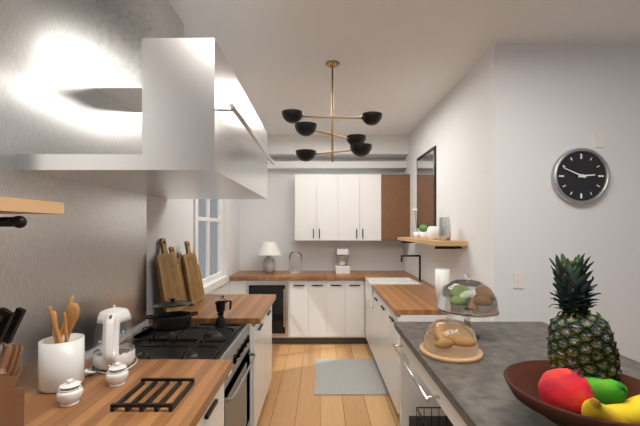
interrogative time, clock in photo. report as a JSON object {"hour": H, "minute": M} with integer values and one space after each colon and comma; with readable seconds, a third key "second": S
{"hour": 2, "minute": 49}
